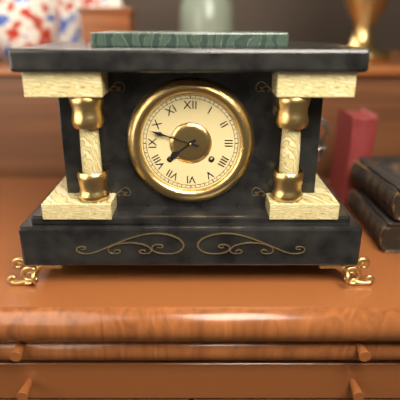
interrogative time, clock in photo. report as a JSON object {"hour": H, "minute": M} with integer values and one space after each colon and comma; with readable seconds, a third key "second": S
{"hour": 7, "minute": 48}
